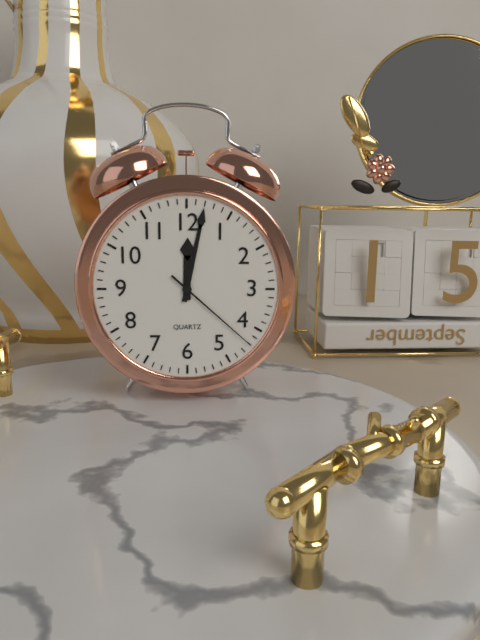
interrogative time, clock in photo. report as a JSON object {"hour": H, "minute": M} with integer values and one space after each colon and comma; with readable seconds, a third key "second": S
{"hour": 12, "minute": 2, "second": 22}
